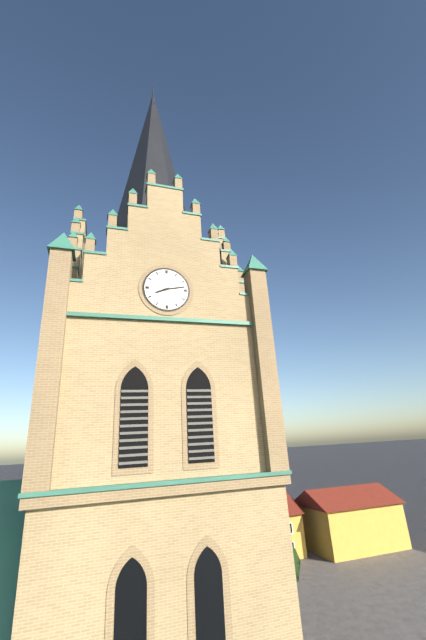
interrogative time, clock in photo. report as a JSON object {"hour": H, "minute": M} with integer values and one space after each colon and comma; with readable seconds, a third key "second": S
{"hour": 8, "minute": 13}
